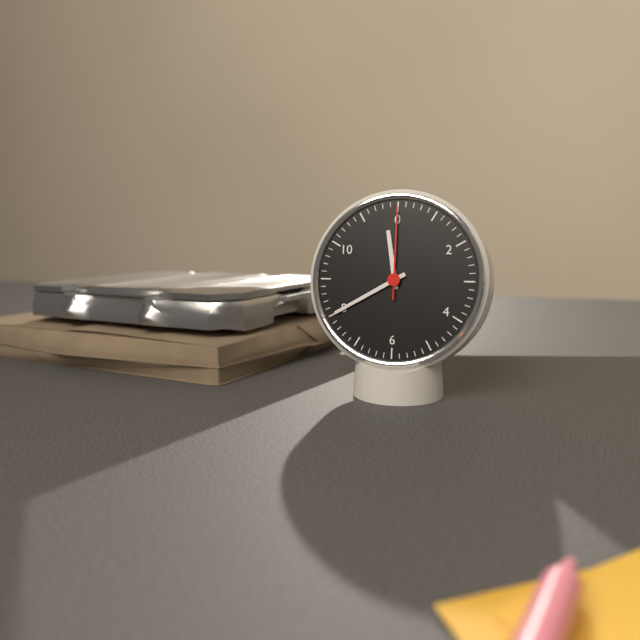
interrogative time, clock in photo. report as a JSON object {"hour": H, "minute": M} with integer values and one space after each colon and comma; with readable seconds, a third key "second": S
{"hour": 11, "minute": 40, "second": 0}
